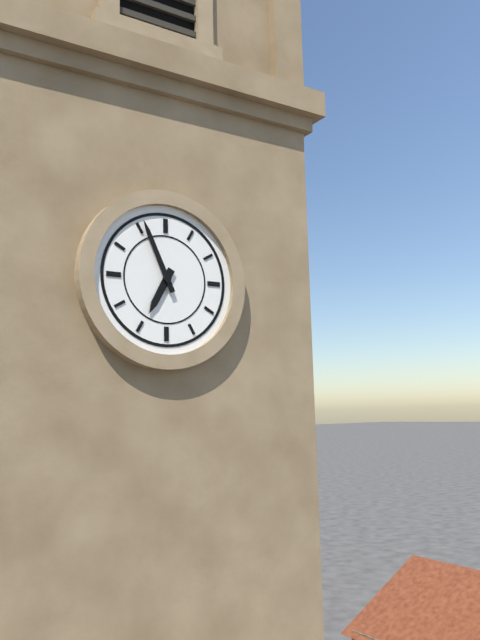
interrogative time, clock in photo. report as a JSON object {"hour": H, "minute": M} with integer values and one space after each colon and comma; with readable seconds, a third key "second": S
{"hour": 6, "minute": 56}
